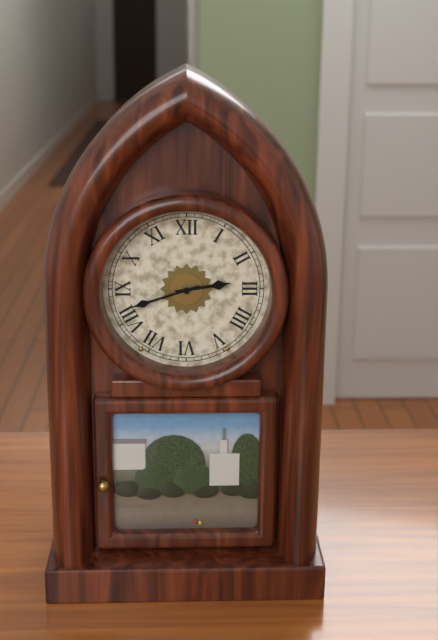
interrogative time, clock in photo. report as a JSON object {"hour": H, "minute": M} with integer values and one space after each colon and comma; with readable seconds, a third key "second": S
{"hour": 2, "minute": 42}
